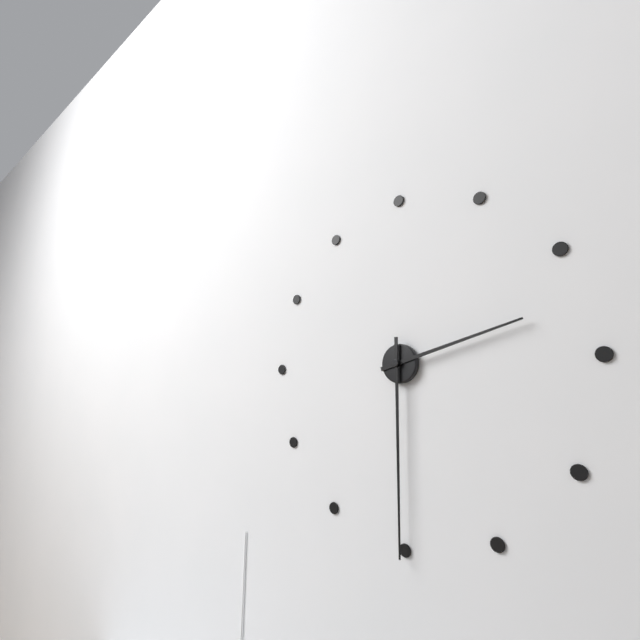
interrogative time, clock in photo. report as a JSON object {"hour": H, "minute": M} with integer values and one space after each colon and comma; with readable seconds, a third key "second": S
{"hour": 2, "minute": 30}
